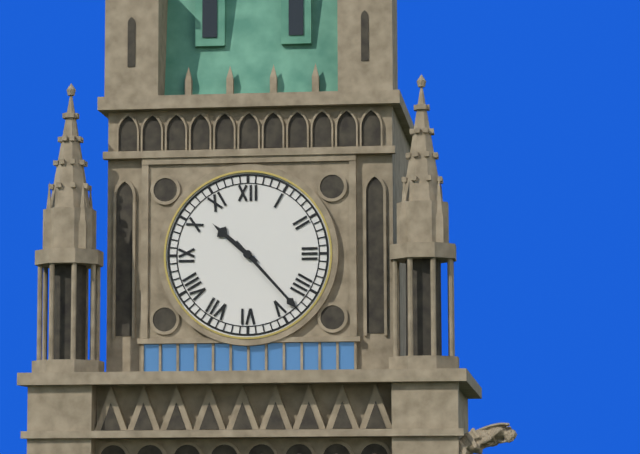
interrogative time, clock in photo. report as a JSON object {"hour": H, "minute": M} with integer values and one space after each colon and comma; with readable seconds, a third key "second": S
{"hour": 10, "minute": 23}
